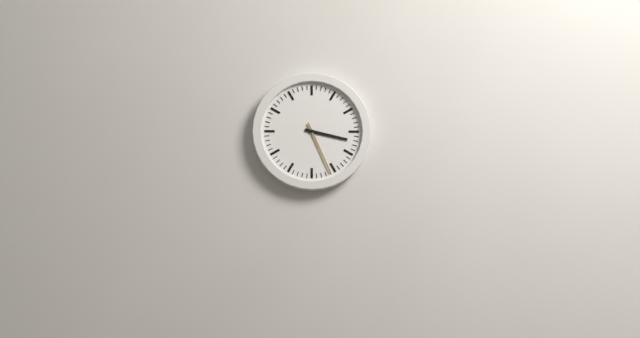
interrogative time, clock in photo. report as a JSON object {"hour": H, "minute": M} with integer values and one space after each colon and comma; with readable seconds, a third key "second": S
{"hour": 3, "minute": 26}
